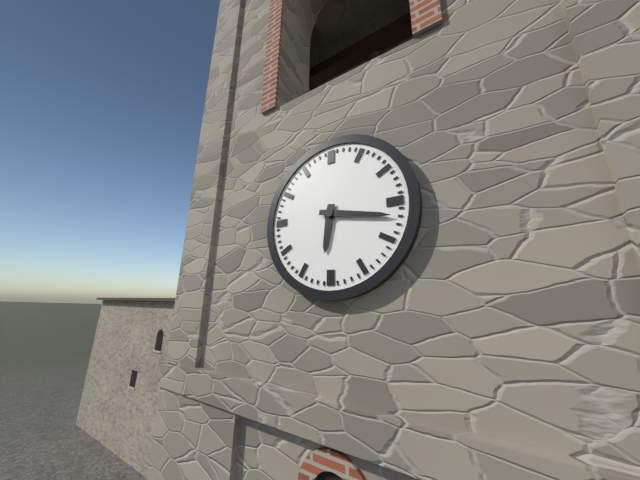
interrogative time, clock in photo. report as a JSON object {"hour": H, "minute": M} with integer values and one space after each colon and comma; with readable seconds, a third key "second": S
{"hour": 6, "minute": 17}
